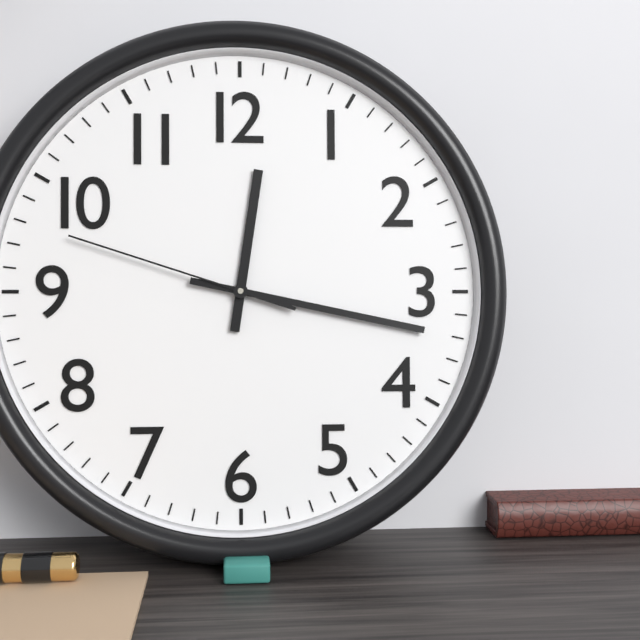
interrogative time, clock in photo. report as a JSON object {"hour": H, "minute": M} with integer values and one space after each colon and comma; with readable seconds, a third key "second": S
{"hour": 12, "minute": 17, "second": 48}
